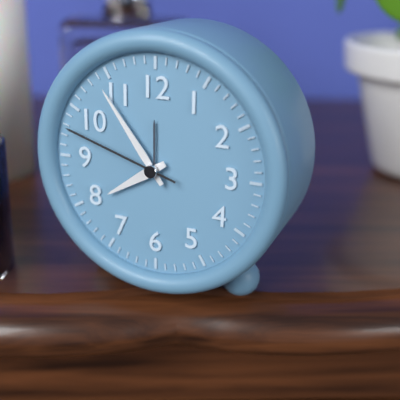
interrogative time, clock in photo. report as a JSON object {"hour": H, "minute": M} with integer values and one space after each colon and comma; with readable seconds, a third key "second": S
{"hour": 7, "minute": 54, "second": 48}
